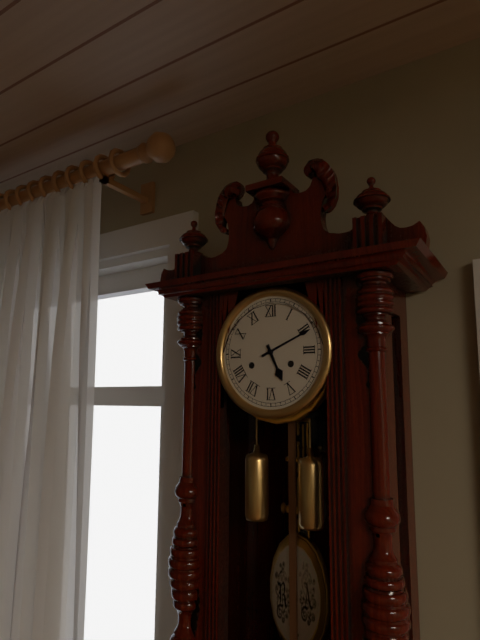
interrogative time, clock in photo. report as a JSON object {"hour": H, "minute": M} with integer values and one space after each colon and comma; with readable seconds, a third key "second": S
{"hour": 5, "minute": 11}
